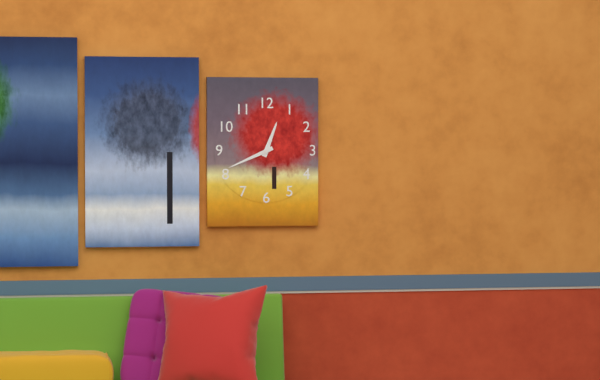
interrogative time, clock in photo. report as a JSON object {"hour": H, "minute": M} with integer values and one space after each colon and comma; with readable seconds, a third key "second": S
{"hour": 12, "minute": 41}
